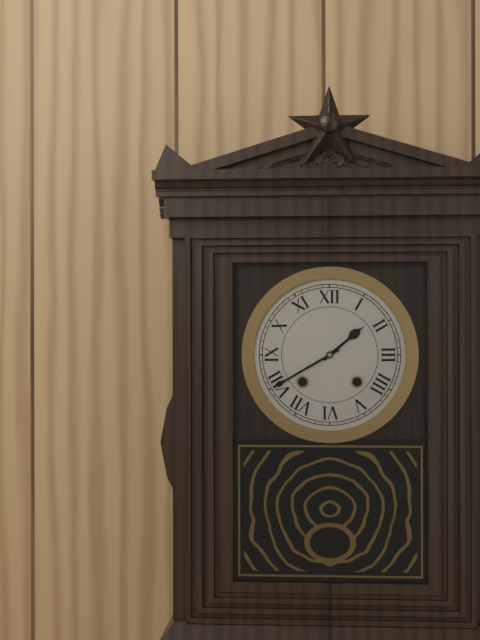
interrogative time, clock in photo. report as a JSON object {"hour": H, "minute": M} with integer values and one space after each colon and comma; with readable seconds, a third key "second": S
{"hour": 1, "minute": 40}
